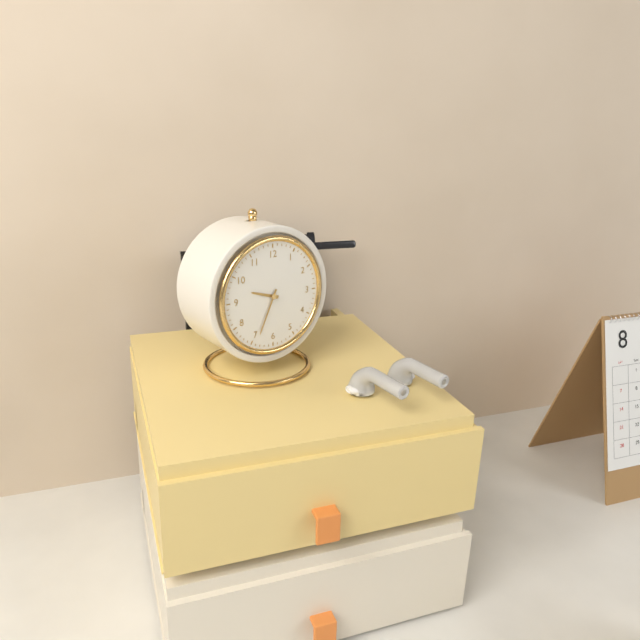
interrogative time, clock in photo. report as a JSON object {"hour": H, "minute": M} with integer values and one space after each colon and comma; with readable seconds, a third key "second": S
{"hour": 9, "minute": 34}
